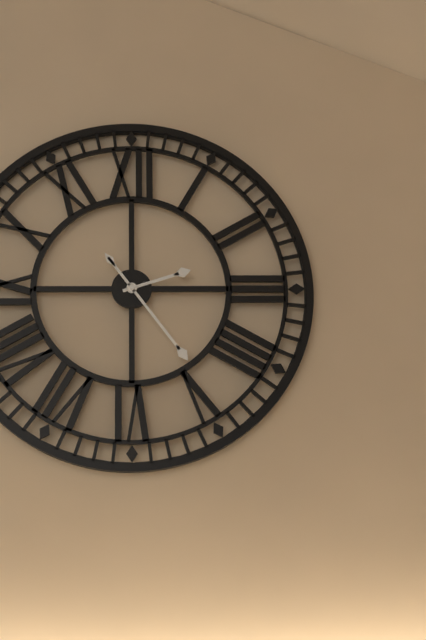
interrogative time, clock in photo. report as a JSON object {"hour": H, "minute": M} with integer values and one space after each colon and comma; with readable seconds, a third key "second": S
{"hour": 2, "minute": 24}
